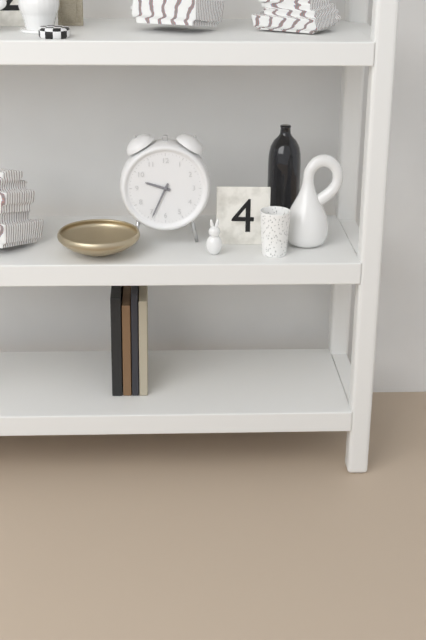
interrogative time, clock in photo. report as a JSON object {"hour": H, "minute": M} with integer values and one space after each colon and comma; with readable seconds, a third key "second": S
{"hour": 9, "minute": 34}
